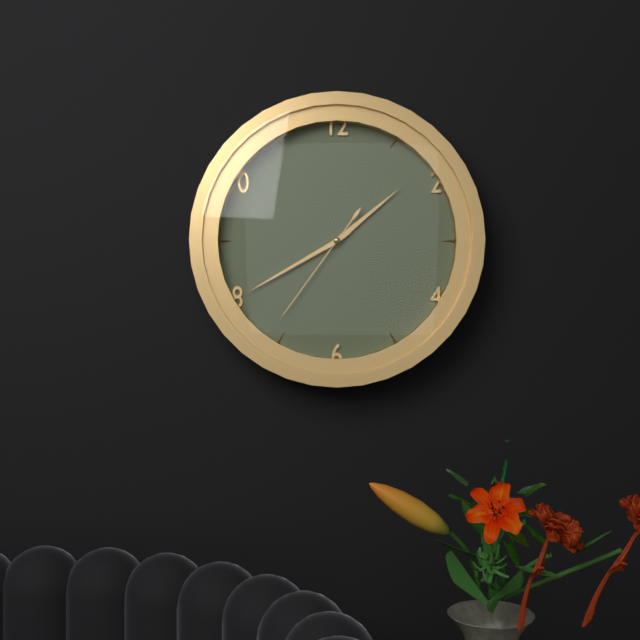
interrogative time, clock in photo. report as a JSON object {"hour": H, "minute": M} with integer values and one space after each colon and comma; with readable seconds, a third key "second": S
{"hour": 1, "minute": 40, "second": 36}
